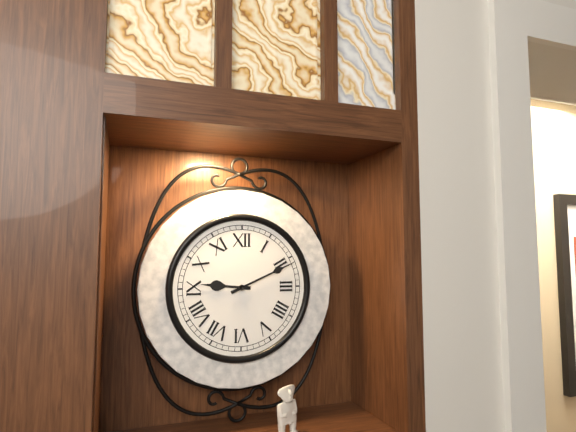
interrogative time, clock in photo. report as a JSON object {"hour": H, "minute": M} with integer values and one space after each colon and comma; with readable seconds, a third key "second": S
{"hour": 9, "minute": 11}
